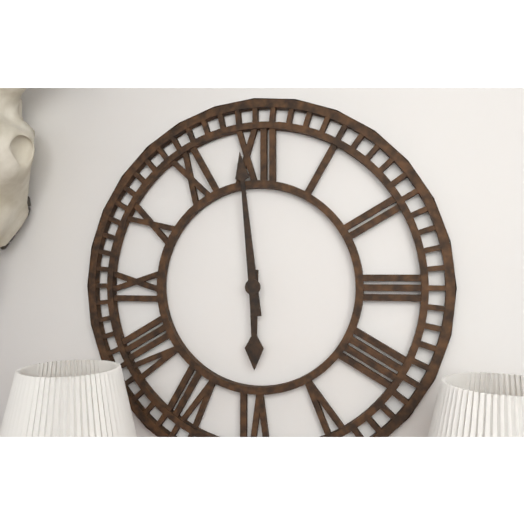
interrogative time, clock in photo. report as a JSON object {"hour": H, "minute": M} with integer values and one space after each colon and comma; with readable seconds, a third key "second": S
{"hour": 5, "minute": 59}
